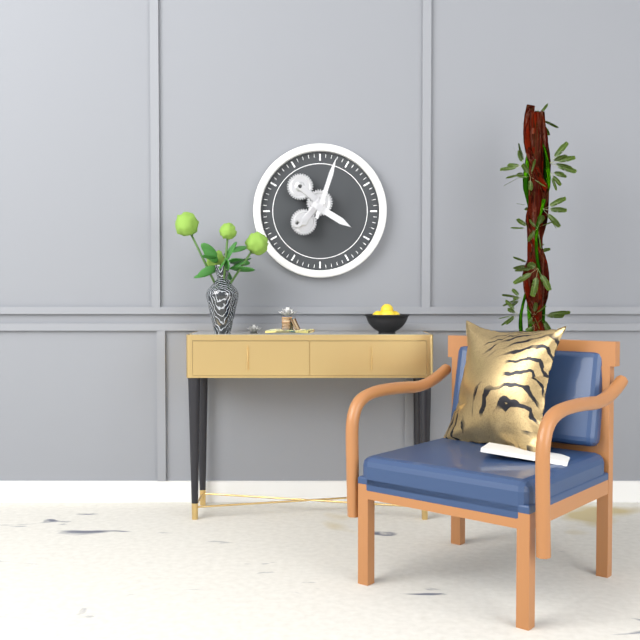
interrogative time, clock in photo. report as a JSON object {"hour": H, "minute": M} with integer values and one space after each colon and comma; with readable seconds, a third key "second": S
{"hour": 4, "minute": 3}
